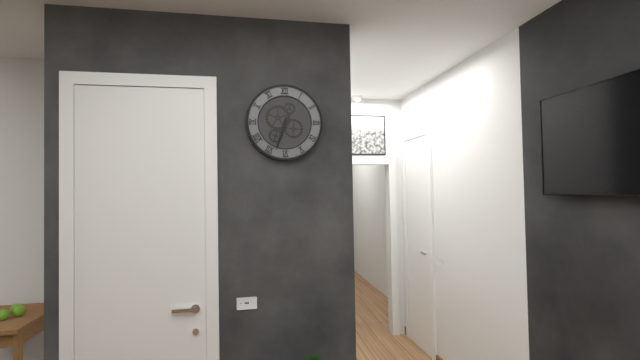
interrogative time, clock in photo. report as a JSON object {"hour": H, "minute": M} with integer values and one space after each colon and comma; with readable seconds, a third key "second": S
{"hour": 6, "minute": 33}
